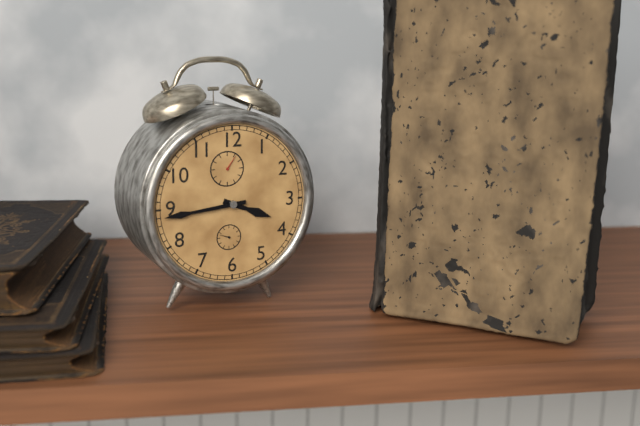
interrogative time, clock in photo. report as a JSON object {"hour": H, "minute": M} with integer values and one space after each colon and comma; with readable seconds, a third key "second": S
{"hour": 3, "minute": 44}
